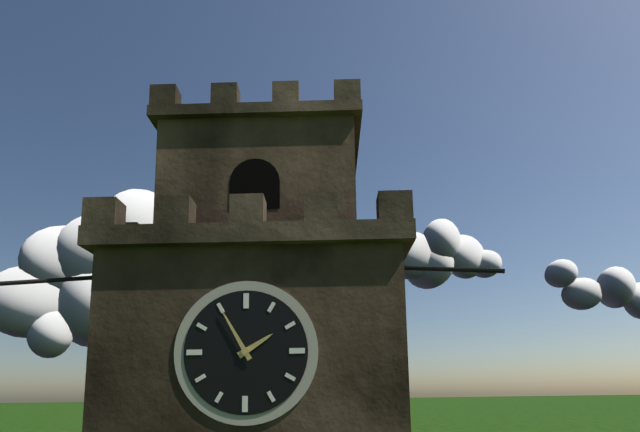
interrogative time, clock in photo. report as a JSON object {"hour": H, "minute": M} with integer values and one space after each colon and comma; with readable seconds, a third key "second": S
{"hour": 1, "minute": 55}
